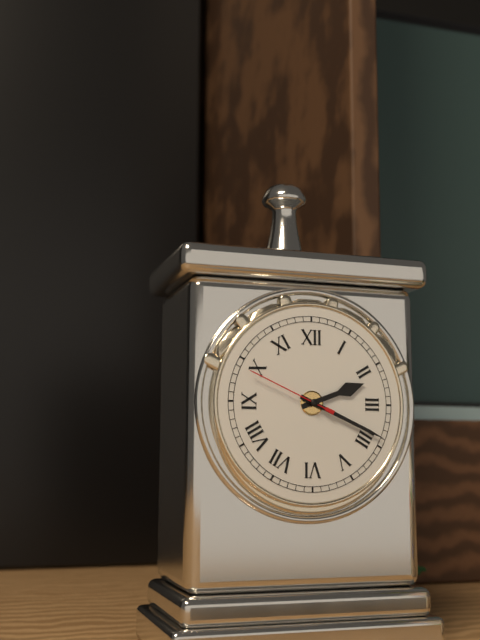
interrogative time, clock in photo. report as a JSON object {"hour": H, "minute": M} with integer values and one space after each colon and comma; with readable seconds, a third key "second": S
{"hour": 2, "minute": 19, "second": 49}
